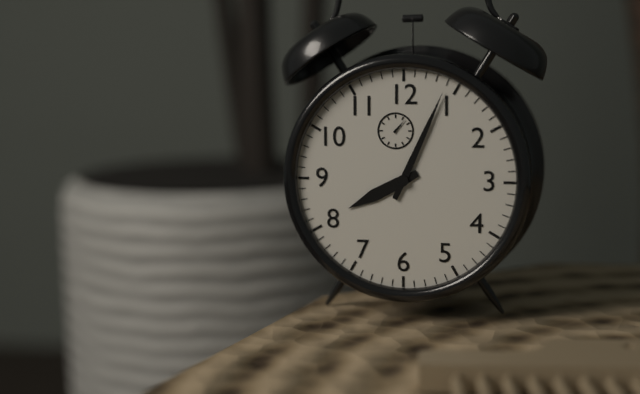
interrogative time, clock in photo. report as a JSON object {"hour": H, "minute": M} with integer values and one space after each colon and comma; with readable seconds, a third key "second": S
{"hour": 8, "minute": 4}
